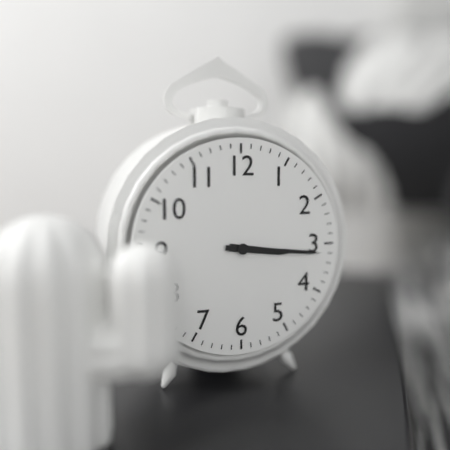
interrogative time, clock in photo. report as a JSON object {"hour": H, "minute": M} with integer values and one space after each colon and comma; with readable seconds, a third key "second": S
{"hour": 3, "minute": 16}
